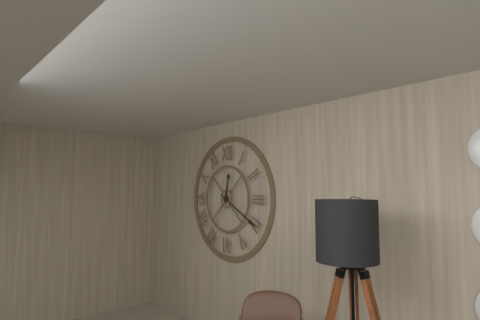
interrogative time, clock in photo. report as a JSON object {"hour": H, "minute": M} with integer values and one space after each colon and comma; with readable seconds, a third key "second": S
{"hour": 12, "minute": 20}
